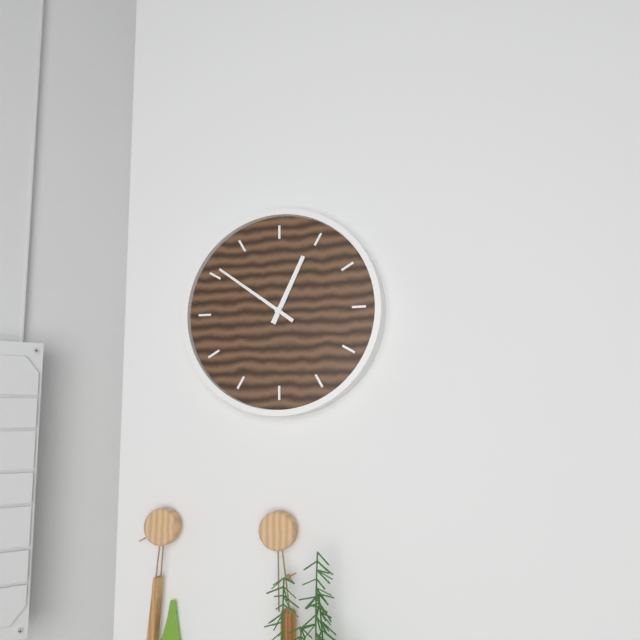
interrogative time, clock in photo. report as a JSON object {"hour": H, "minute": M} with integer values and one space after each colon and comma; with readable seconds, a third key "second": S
{"hour": 12, "minute": 51}
